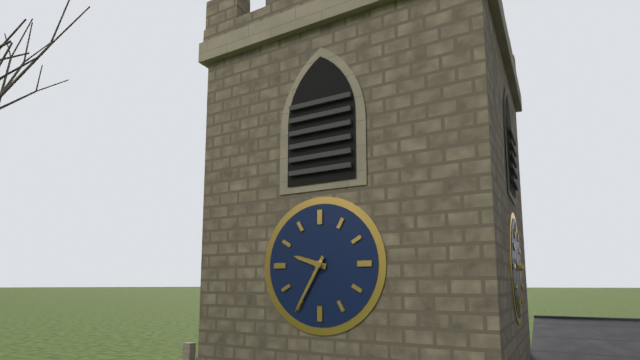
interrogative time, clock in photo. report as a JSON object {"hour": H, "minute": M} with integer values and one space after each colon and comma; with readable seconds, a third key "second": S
{"hour": 9, "minute": 35}
